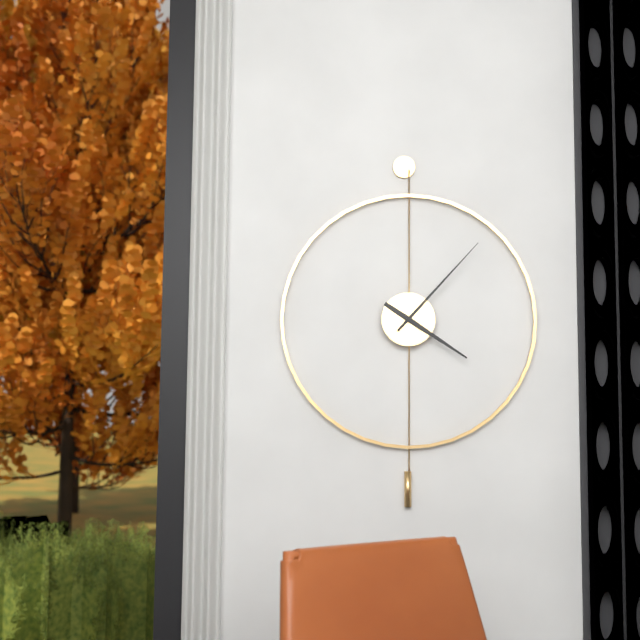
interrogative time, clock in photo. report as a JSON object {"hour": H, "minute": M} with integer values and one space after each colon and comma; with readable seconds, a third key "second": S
{"hour": 4, "minute": 7}
